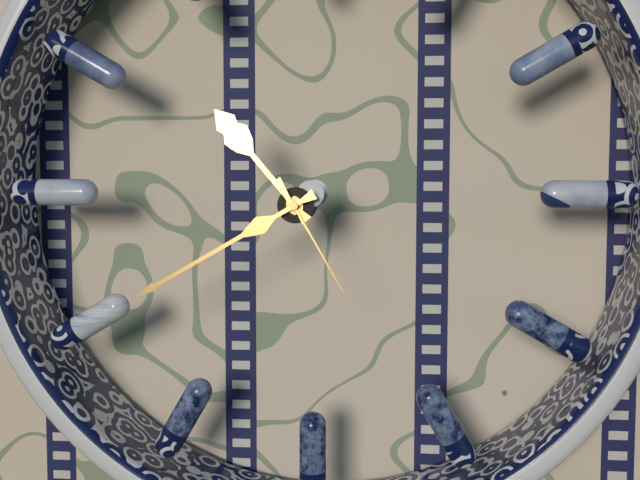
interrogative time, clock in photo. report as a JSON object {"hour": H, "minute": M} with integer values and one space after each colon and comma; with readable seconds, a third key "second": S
{"hour": 10, "minute": 40, "second": 25}
